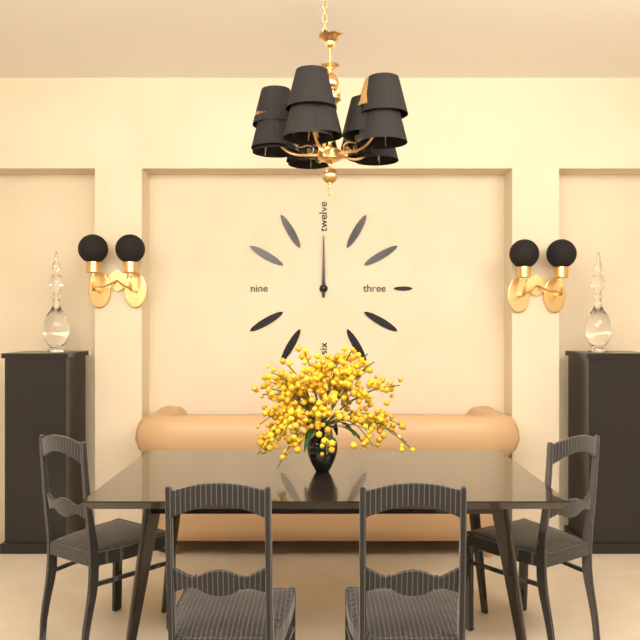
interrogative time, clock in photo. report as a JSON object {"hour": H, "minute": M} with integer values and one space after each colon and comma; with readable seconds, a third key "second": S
{"hour": 12, "minute": 0}
